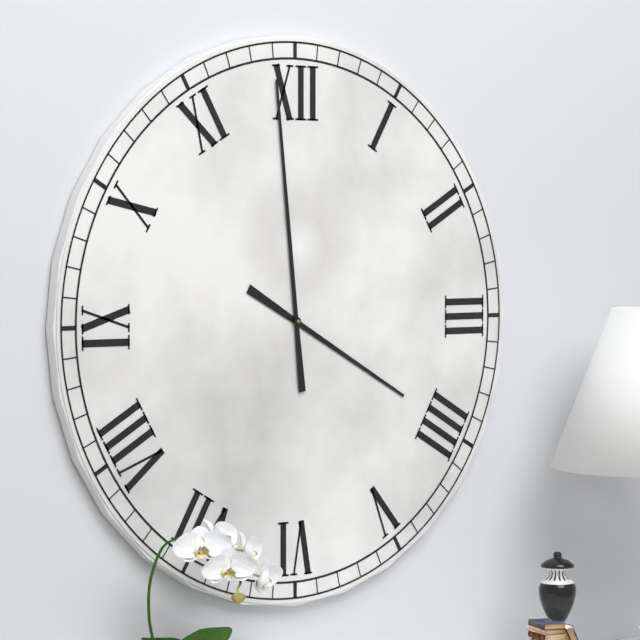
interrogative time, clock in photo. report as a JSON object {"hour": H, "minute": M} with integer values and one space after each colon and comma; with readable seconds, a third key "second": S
{"hour": 3, "minute": 59}
